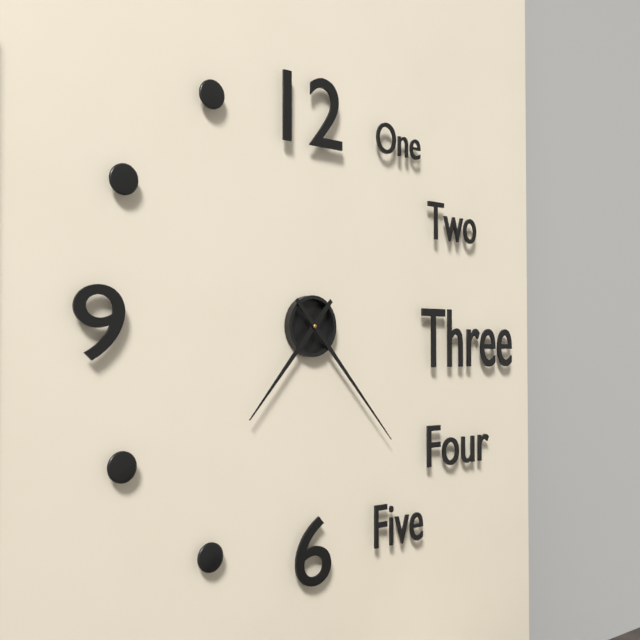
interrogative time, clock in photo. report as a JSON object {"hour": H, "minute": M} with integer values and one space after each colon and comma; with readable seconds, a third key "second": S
{"hour": 7, "minute": 23}
